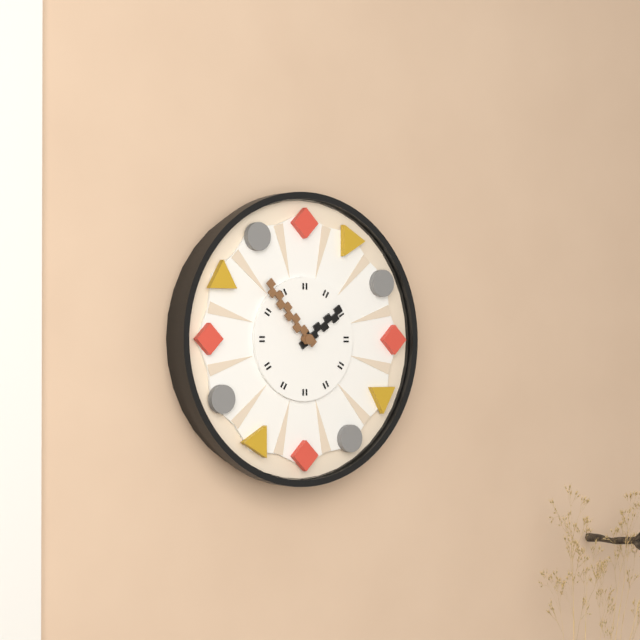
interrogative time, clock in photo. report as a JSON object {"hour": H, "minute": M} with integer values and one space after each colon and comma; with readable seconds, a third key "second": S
{"hour": 1, "minute": 53}
